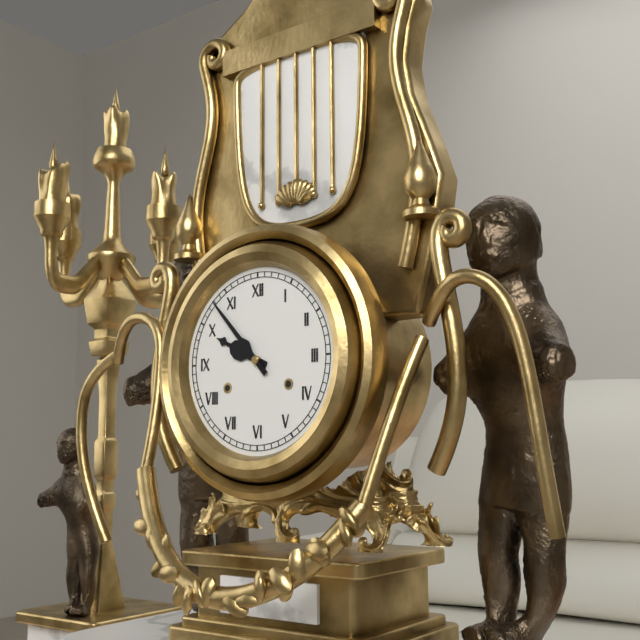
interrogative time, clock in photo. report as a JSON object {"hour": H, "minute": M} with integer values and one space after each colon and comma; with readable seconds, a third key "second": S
{"hour": 9, "minute": 53}
